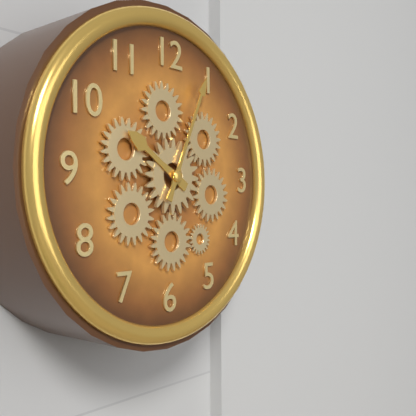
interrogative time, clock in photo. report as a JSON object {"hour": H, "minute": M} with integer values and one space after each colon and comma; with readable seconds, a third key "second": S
{"hour": 10, "minute": 4}
